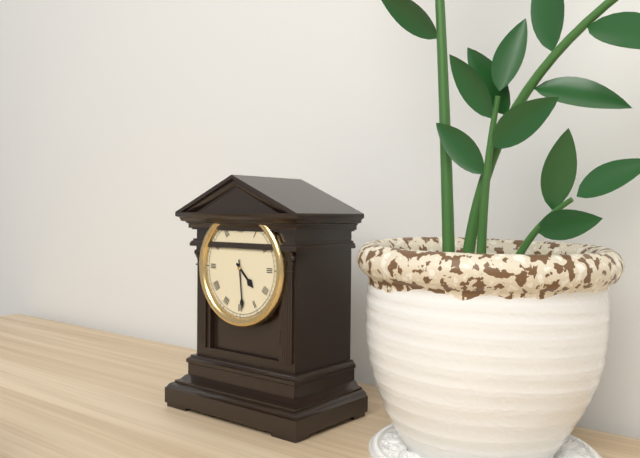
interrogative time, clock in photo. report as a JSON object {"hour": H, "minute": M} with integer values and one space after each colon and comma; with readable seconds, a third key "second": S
{"hour": 4, "minute": 29}
